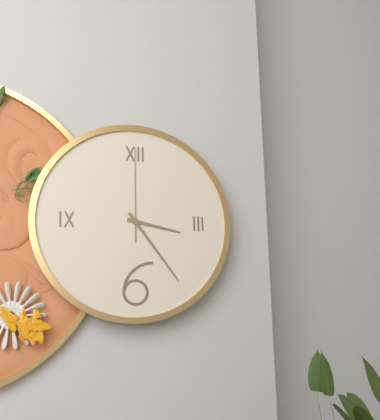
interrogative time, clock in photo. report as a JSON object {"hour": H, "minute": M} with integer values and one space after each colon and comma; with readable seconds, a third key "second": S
{"hour": 3, "minute": 24, "second": 0}
